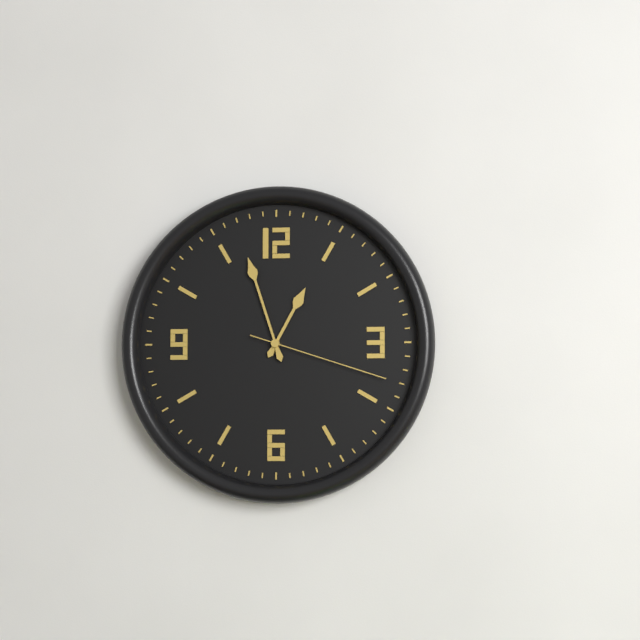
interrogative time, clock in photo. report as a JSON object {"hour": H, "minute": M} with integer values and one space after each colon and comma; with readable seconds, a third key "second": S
{"hour": 12, "minute": 57, "second": 18}
